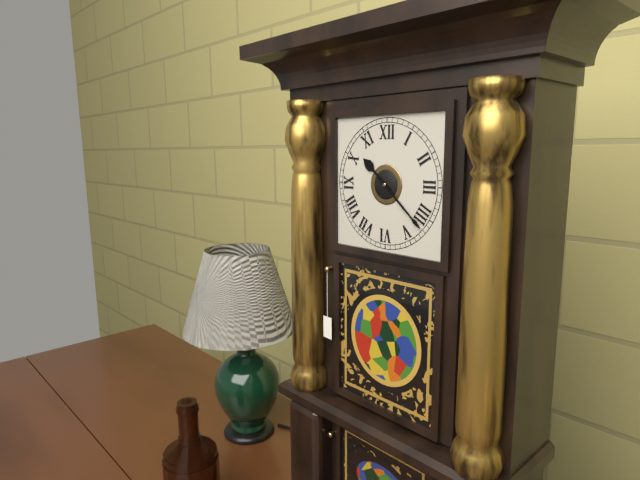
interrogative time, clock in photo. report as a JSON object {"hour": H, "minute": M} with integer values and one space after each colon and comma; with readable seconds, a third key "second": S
{"hour": 10, "minute": 22}
